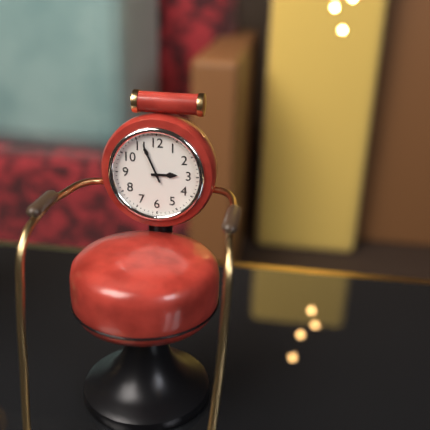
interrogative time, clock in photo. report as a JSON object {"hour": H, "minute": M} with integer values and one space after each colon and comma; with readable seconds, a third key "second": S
{"hour": 2, "minute": 56}
